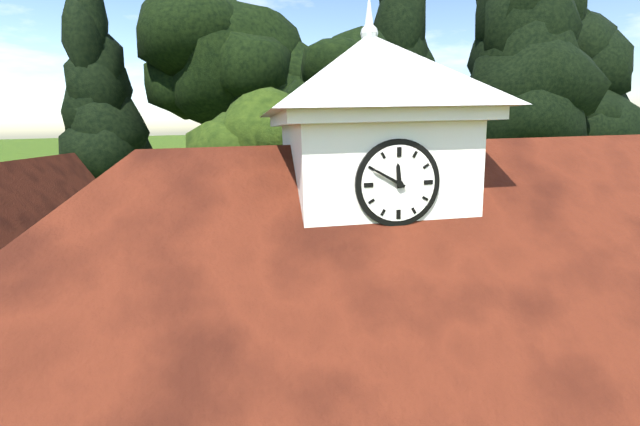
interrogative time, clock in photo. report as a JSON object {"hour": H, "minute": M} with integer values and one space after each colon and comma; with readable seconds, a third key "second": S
{"hour": 11, "minute": 50}
